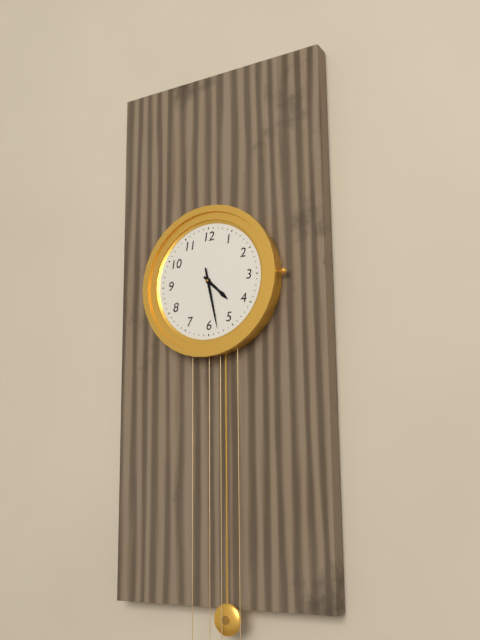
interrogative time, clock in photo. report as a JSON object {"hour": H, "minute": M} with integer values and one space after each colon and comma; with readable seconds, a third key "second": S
{"hour": 4, "minute": 28}
